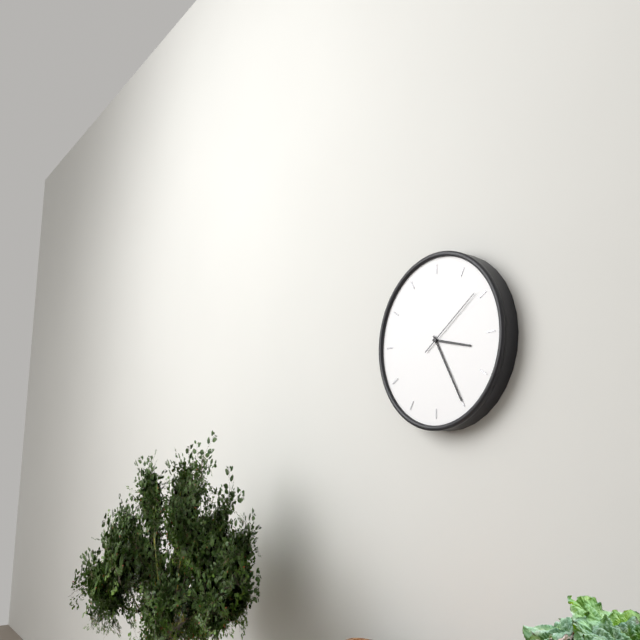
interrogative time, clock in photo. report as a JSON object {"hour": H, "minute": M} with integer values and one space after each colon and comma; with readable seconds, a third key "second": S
{"hour": 3, "minute": 25, "second": 9}
